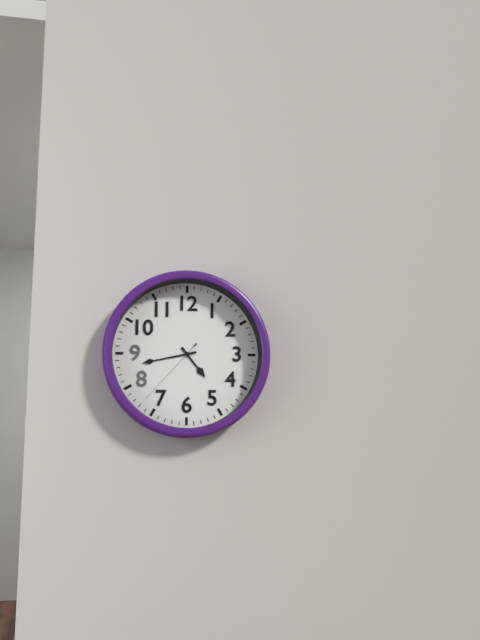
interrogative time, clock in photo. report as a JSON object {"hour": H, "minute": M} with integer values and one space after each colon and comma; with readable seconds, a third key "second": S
{"hour": 4, "minute": 43, "second": 37}
